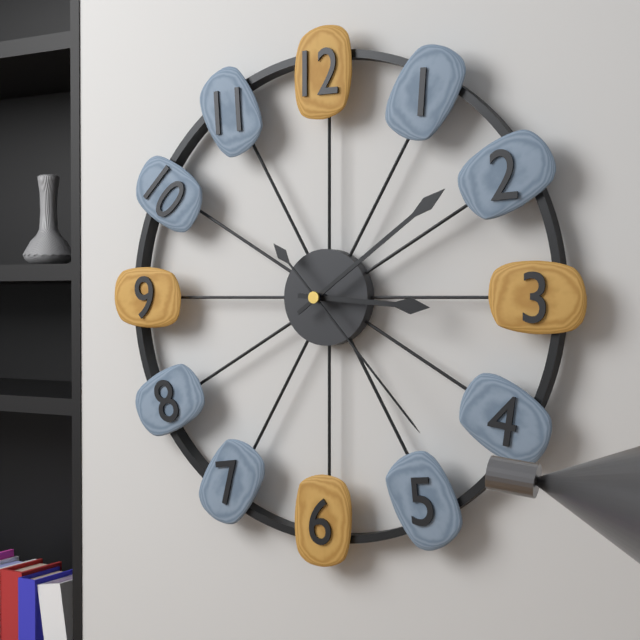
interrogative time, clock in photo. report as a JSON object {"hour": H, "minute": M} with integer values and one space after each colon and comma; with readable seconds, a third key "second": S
{"hour": 3, "minute": 9, "second": 23}
